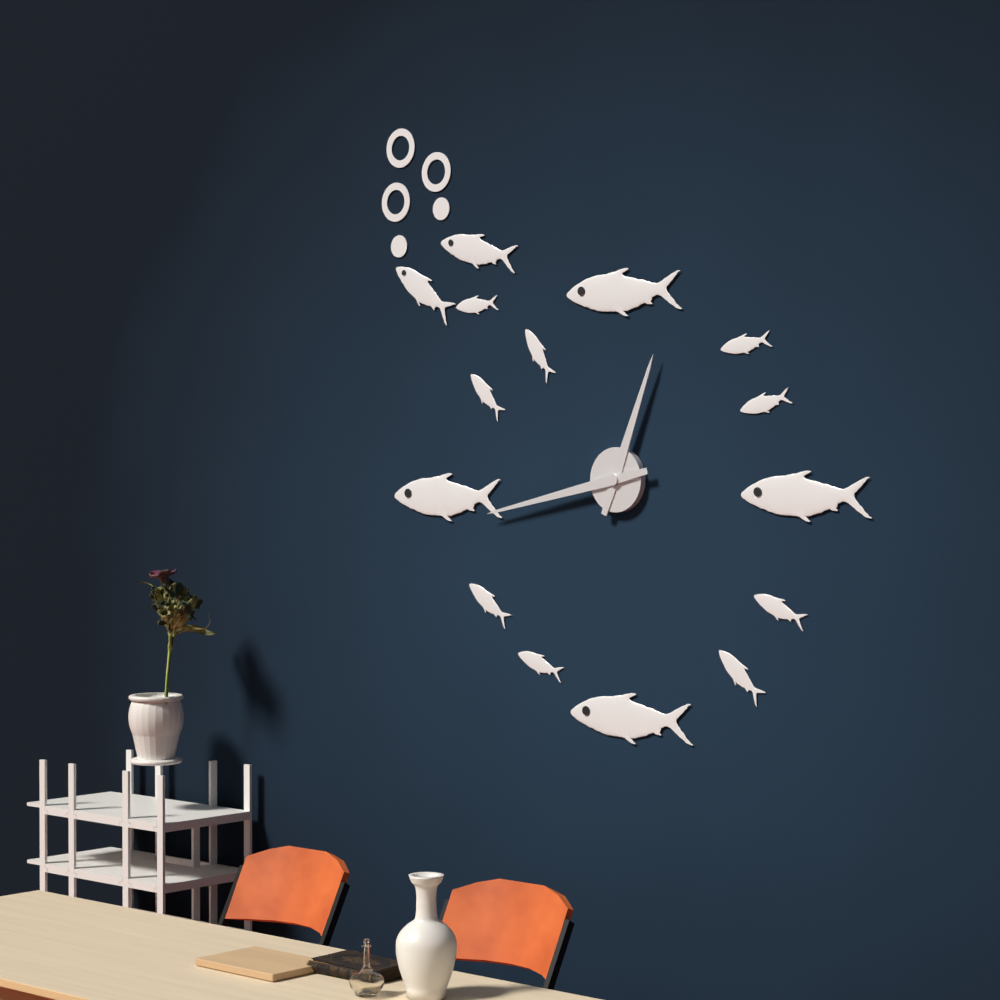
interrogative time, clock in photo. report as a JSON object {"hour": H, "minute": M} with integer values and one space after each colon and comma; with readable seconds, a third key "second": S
{"hour": 12, "minute": 43}
